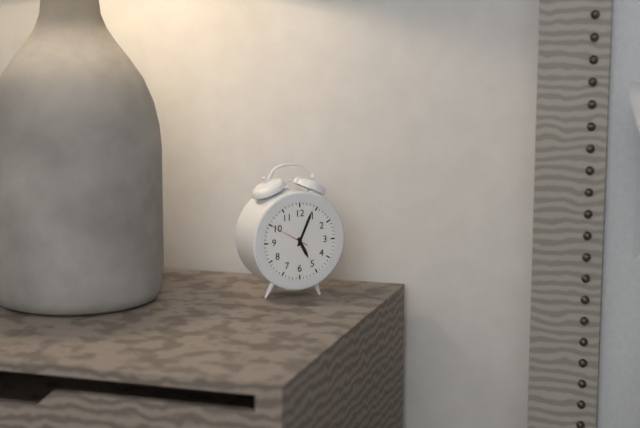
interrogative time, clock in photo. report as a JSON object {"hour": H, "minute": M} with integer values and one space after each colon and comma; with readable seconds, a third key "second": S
{"hour": 5, "minute": 4}
